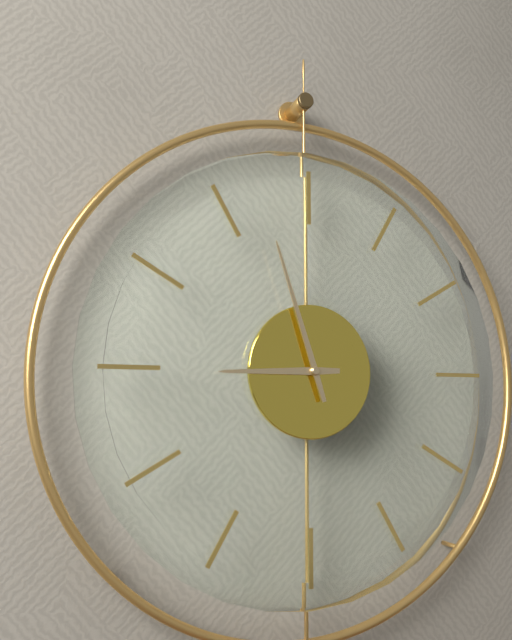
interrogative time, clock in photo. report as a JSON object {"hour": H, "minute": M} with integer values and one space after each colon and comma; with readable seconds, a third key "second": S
{"hour": 8, "minute": 57}
